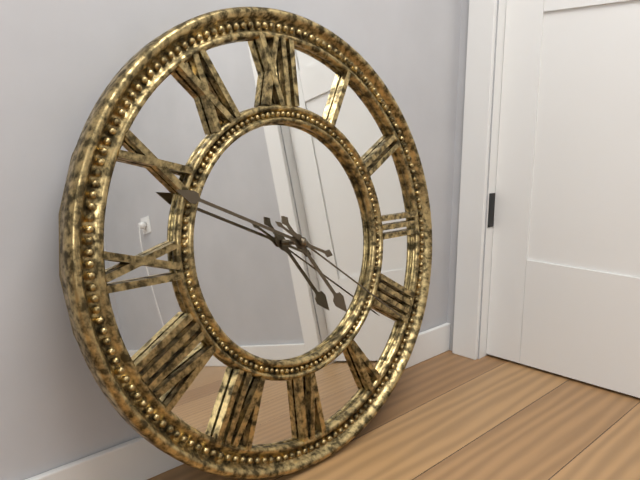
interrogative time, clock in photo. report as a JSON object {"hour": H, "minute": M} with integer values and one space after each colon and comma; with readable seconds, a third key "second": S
{"hour": 4, "minute": 49, "second": 21}
